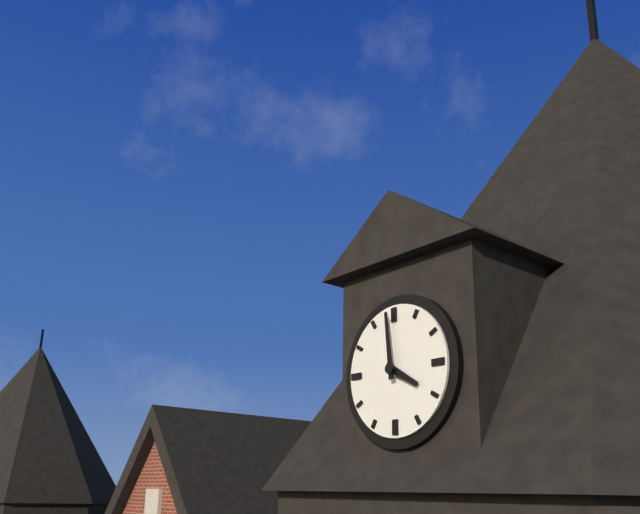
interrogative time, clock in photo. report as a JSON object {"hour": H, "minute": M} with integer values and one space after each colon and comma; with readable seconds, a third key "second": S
{"hour": 3, "minute": 59}
